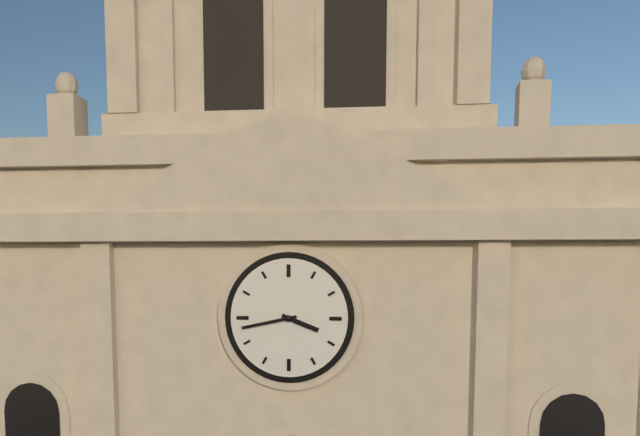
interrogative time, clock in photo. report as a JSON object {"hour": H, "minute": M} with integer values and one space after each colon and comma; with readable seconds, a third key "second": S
{"hour": 3, "minute": 43}
